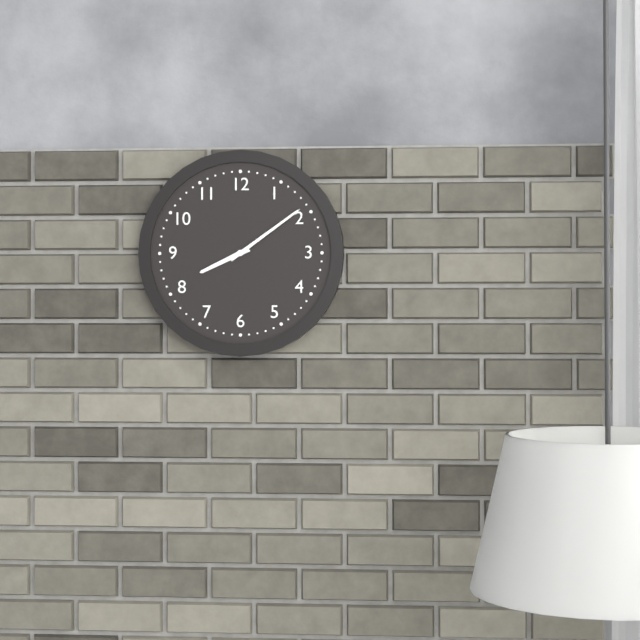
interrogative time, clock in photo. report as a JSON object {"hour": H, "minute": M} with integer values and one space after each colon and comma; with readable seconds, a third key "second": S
{"hour": 8, "minute": 9}
